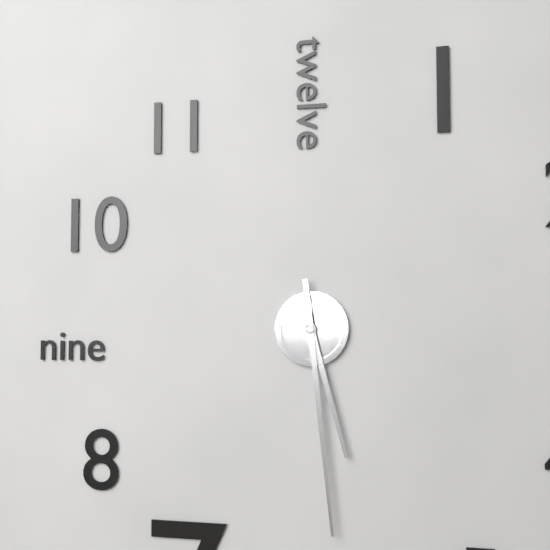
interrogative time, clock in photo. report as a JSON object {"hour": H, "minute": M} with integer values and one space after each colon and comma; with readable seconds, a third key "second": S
{"hour": 5, "minute": 29}
